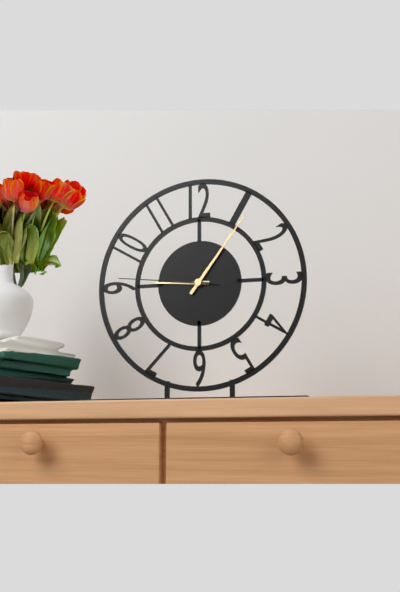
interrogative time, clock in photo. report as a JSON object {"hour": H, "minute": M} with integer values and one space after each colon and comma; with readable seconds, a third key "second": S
{"hour": 9, "minute": 6, "second": 46}
